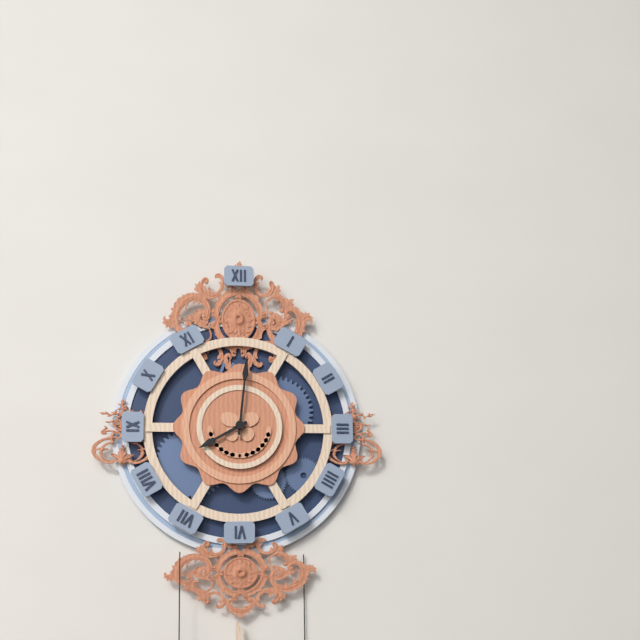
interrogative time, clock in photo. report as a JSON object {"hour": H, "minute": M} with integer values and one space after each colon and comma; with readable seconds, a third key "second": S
{"hour": 8, "minute": 1}
